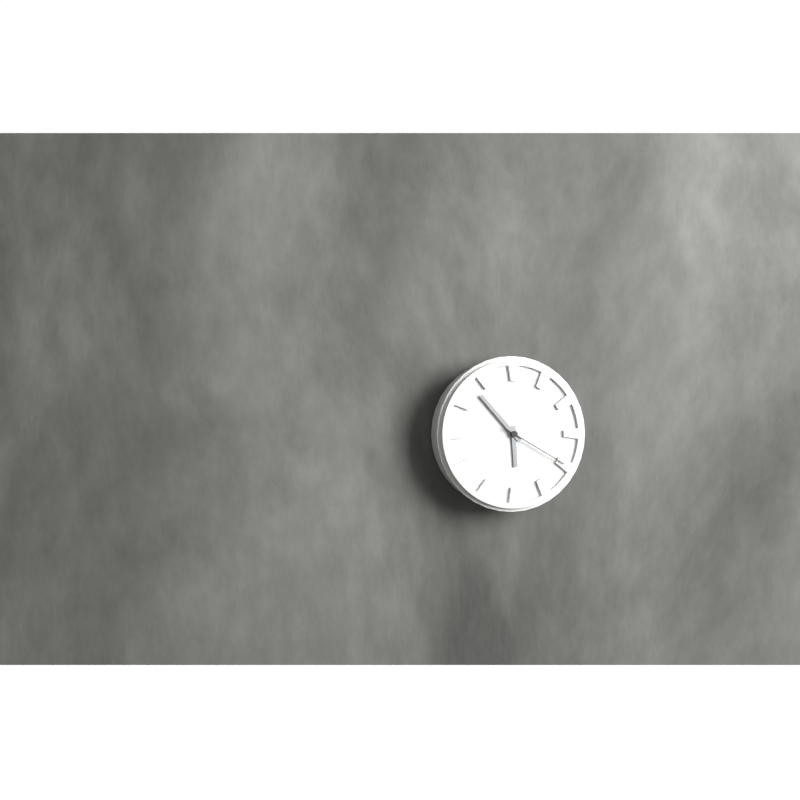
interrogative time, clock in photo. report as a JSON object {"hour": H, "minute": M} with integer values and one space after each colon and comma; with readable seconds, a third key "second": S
{"hour": 5, "minute": 53, "second": 20}
